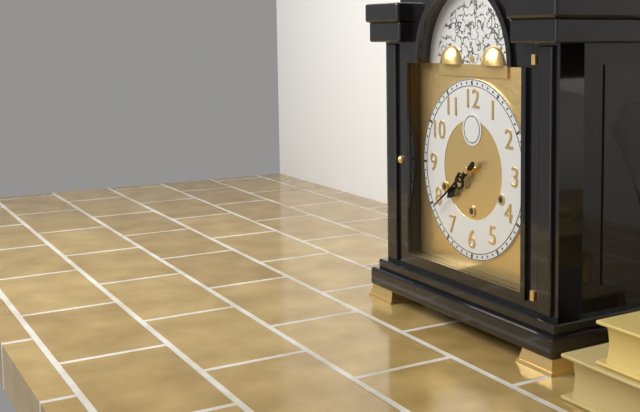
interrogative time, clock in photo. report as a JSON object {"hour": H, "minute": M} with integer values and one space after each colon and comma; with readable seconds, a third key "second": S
{"hour": 7, "minute": 39}
